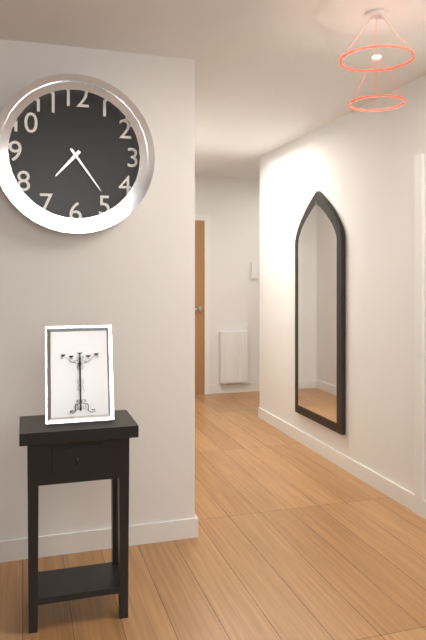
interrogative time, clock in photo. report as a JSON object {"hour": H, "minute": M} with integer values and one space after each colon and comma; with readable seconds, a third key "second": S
{"hour": 7, "minute": 24}
